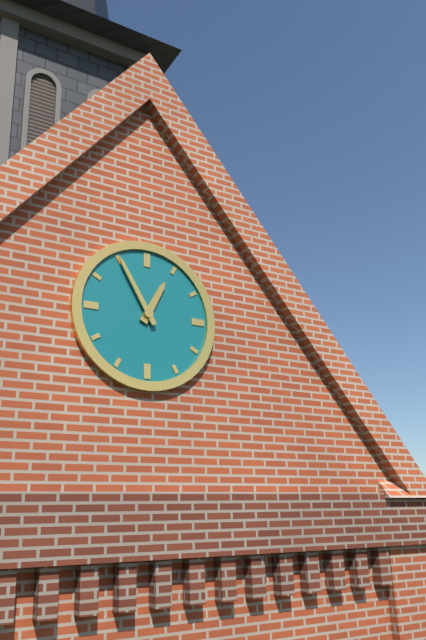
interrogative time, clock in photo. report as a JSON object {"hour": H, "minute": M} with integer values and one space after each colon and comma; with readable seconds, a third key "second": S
{"hour": 12, "minute": 55}
